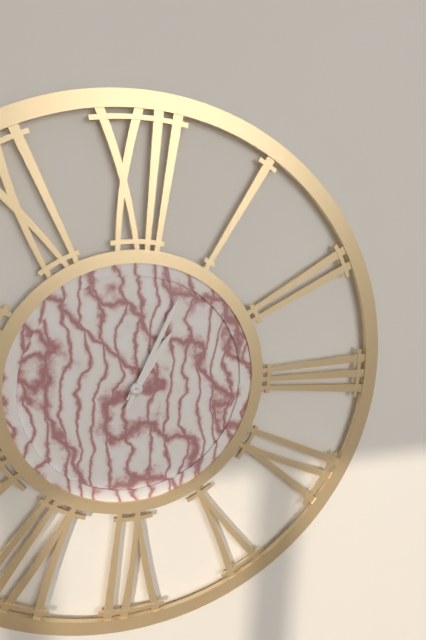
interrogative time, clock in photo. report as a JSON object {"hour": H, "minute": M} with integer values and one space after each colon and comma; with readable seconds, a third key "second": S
{"hour": 1, "minute": 4}
